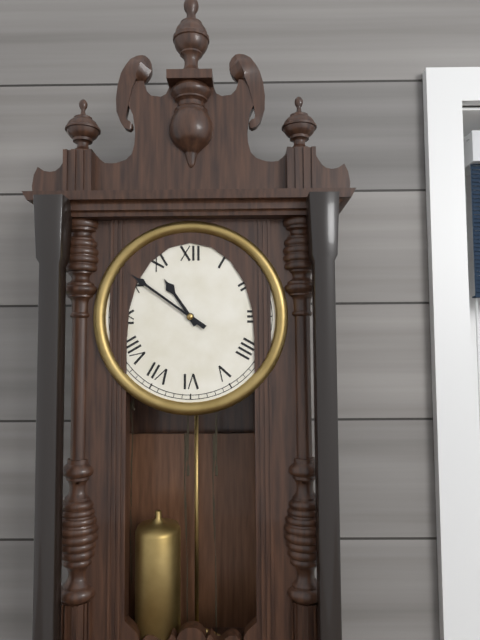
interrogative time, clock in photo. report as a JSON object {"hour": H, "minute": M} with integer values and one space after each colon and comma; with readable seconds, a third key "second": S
{"hour": 10, "minute": 51}
